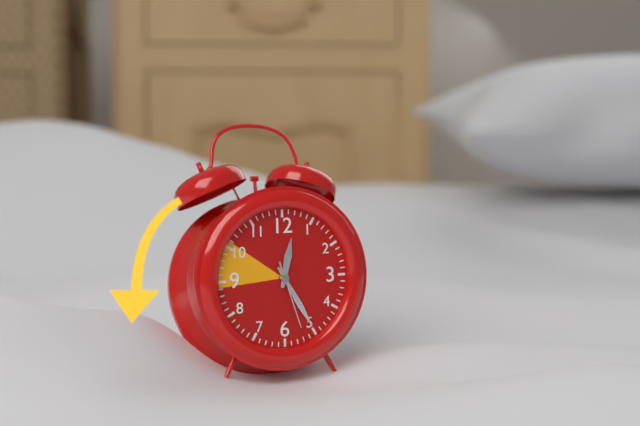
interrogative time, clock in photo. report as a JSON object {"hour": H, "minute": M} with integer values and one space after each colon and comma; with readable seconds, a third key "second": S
{"hour": 12, "minute": 25, "second": 27}
